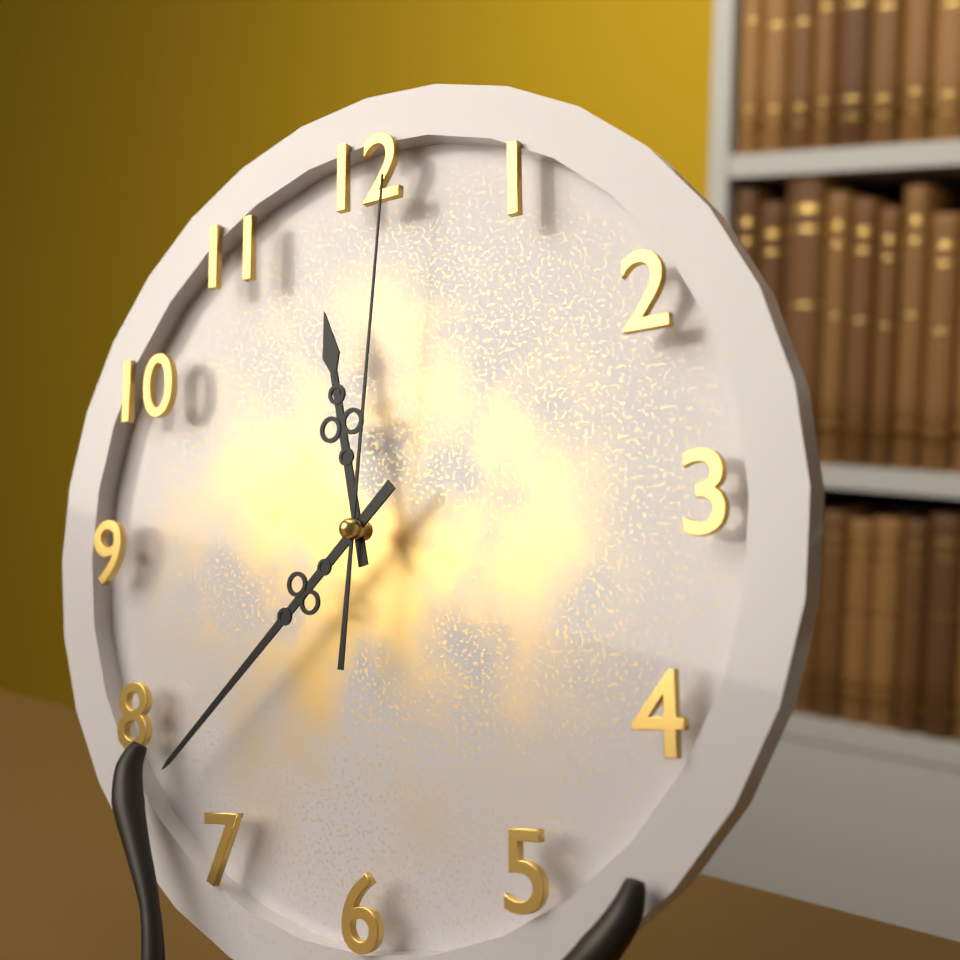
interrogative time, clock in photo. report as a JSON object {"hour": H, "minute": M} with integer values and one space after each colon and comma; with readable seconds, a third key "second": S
{"hour": 11, "minute": 38, "second": 1}
